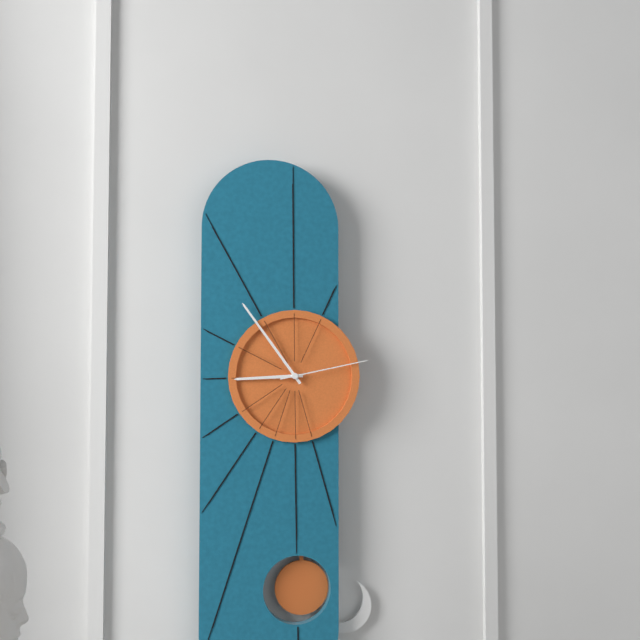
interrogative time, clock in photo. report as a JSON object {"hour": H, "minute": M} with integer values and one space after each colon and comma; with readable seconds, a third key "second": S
{"hour": 8, "minute": 54, "second": 13}
